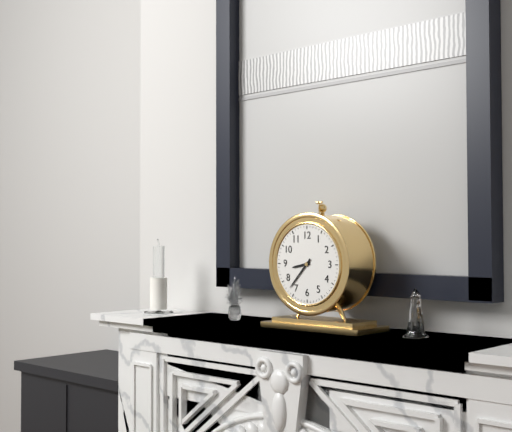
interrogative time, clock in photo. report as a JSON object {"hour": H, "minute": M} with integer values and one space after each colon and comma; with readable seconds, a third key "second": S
{"hour": 8, "minute": 37}
